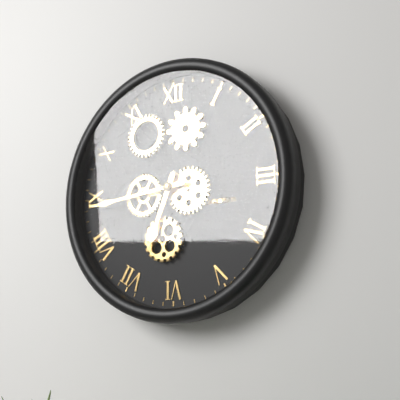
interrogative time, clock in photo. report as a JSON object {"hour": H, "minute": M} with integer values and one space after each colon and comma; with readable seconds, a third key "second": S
{"hour": 6, "minute": 44}
